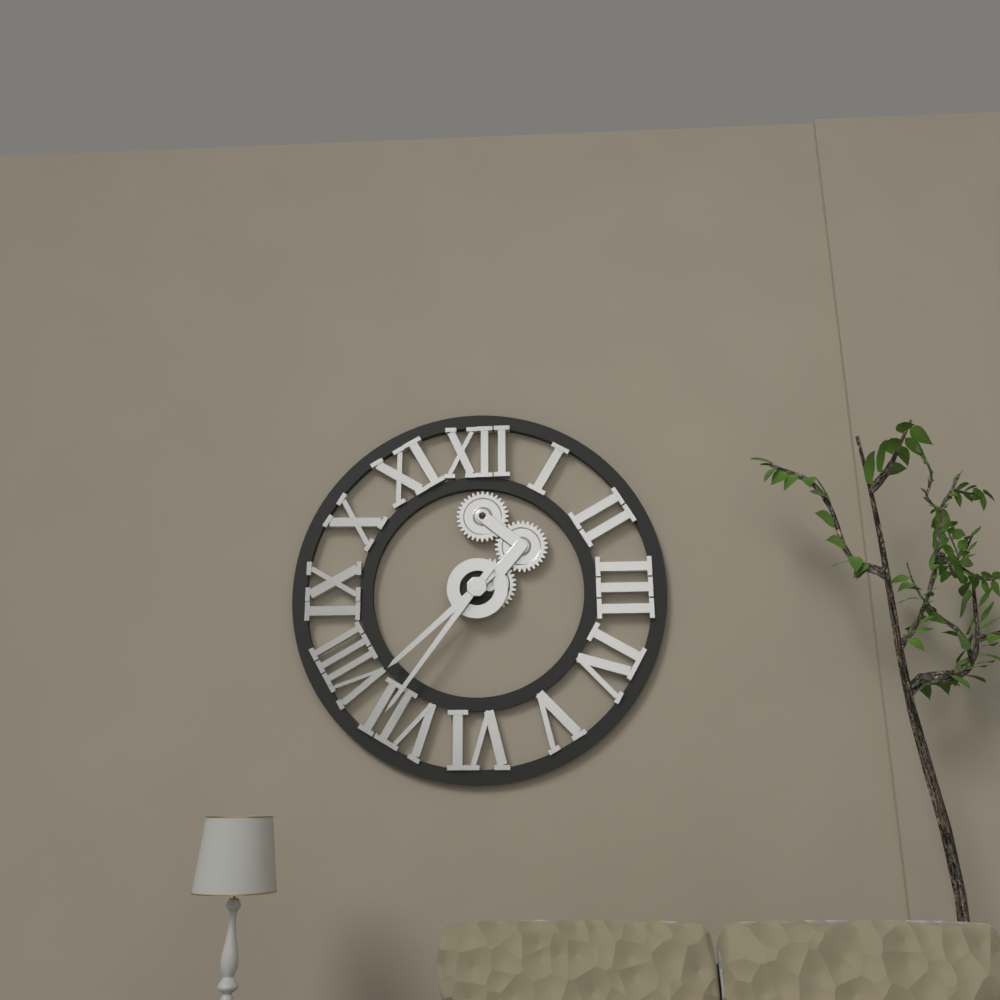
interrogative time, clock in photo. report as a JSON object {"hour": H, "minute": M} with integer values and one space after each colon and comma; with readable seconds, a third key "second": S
{"hour": 7, "minute": 36}
